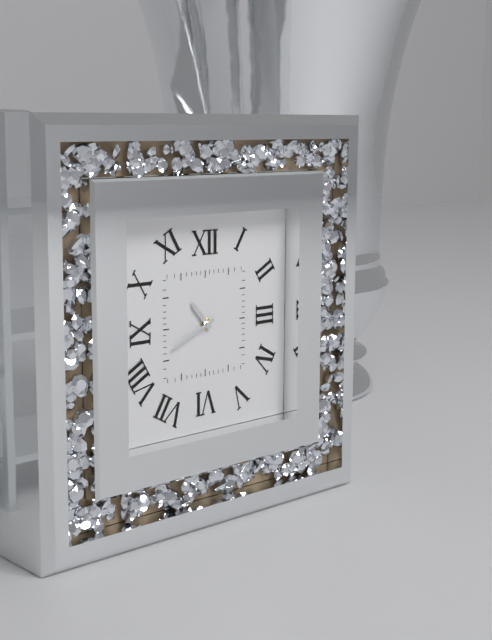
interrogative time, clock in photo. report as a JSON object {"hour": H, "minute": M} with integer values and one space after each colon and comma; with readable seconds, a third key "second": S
{"hour": 10, "minute": 41}
